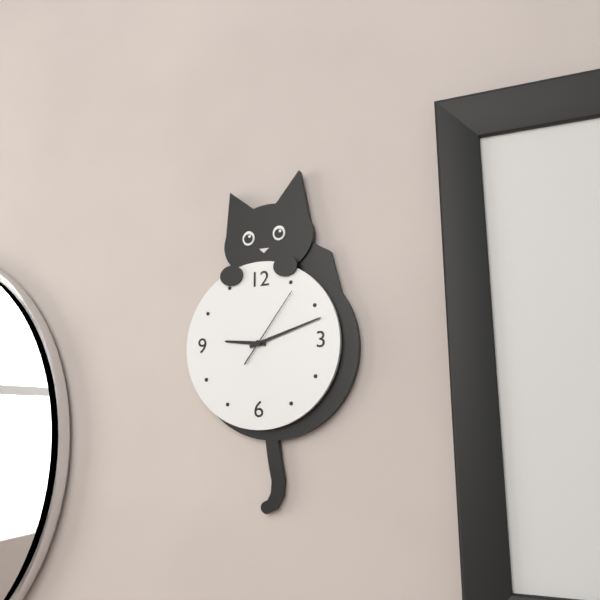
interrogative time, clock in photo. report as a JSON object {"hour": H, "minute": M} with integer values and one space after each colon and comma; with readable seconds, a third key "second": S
{"hour": 9, "minute": 12, "second": 6}
